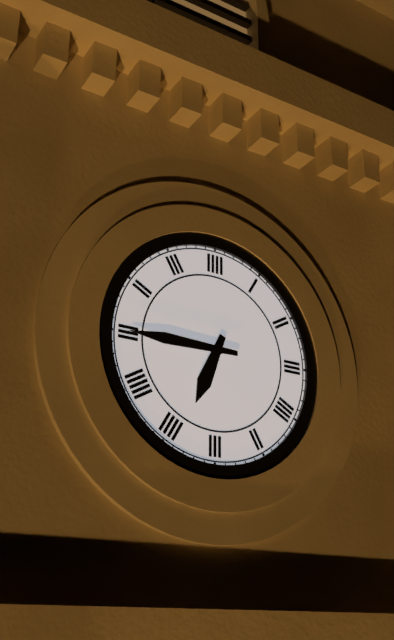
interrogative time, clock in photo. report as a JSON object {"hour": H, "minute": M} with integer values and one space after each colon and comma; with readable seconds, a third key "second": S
{"hour": 6, "minute": 45}
